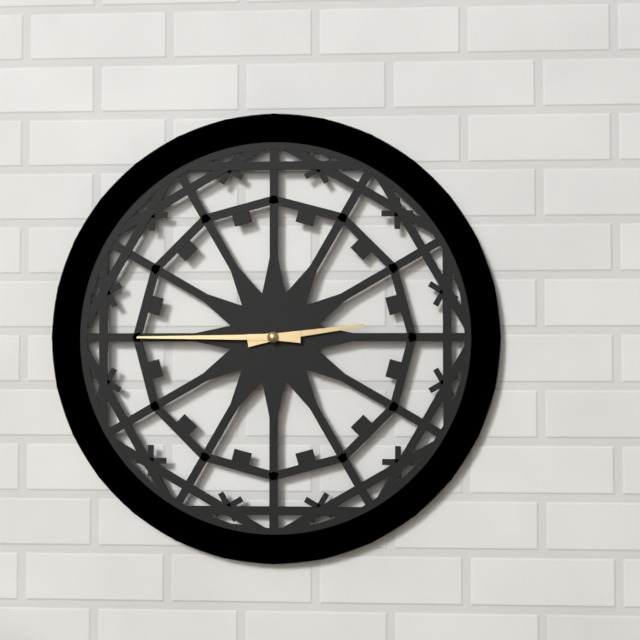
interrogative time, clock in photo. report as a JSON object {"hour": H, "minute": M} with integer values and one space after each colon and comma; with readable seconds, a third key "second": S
{"hour": 2, "minute": 45}
